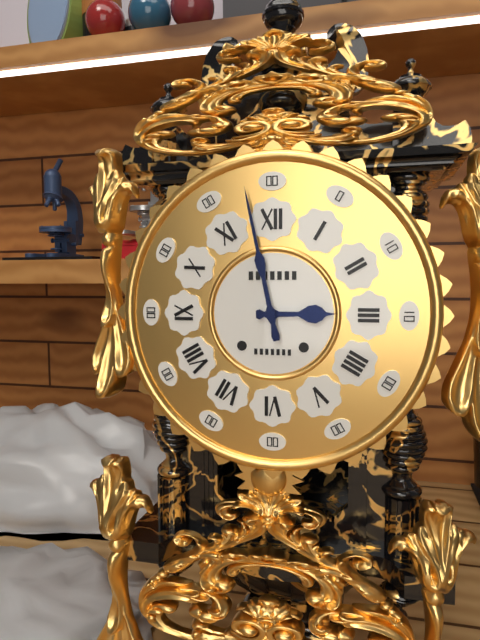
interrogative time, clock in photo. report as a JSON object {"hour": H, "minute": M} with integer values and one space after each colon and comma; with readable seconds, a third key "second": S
{"hour": 2, "minute": 58}
